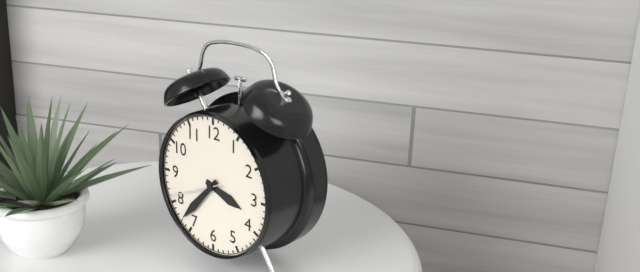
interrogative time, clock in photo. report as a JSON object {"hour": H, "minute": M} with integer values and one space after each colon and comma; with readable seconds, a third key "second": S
{"hour": 3, "minute": 37, "second": 41}
